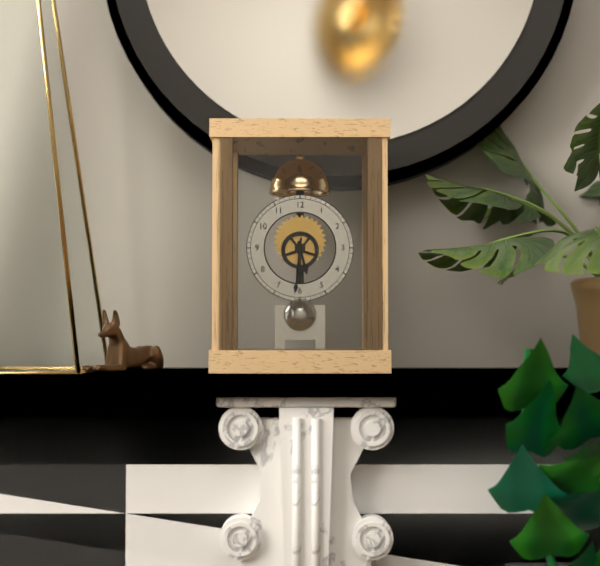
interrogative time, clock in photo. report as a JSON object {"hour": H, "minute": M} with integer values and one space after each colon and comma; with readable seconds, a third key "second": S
{"hour": 5, "minute": 31}
